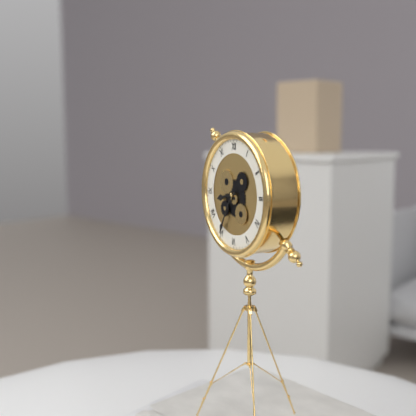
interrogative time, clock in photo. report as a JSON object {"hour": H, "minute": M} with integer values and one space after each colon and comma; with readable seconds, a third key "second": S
{"hour": 8, "minute": 35}
